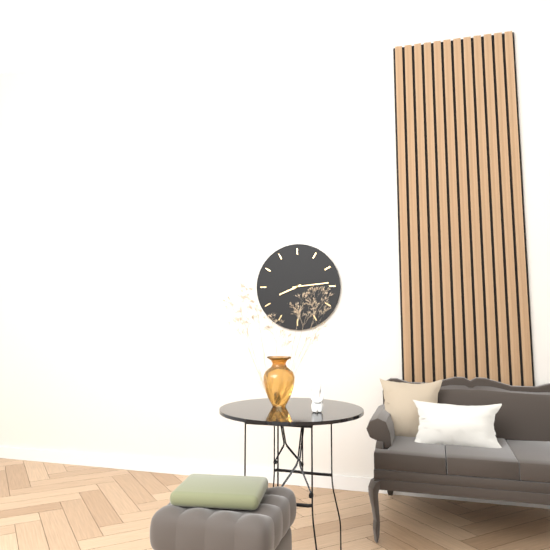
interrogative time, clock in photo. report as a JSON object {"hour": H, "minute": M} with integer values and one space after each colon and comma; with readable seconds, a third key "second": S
{"hour": 8, "minute": 14}
